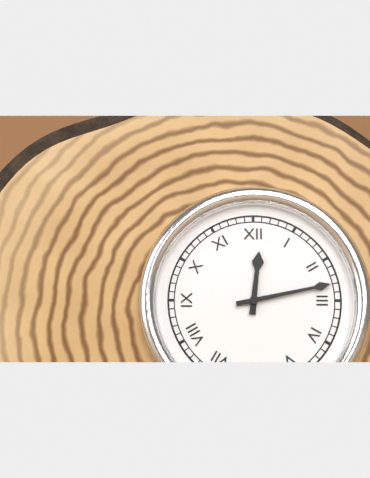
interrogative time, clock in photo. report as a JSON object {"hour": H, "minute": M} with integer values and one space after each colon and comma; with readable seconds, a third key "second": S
{"hour": 12, "minute": 13}
